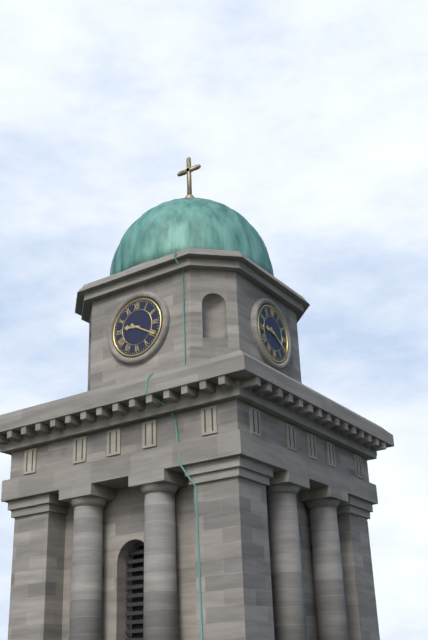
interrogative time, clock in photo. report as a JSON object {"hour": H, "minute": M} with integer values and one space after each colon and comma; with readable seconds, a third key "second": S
{"hour": 9, "minute": 20}
